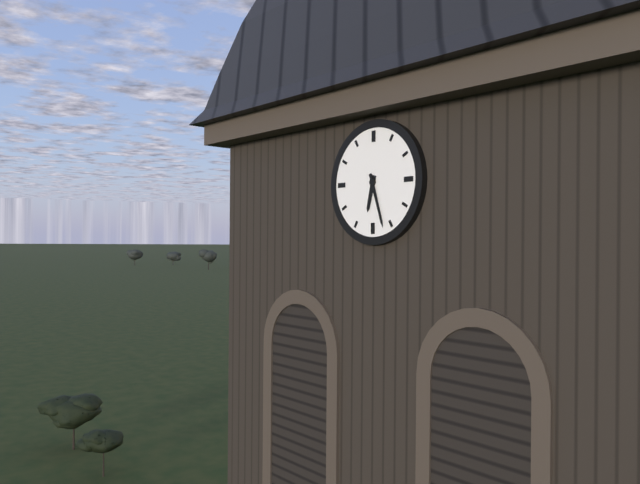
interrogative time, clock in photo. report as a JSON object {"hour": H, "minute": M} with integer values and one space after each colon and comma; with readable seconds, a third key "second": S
{"hour": 6, "minute": 27}
